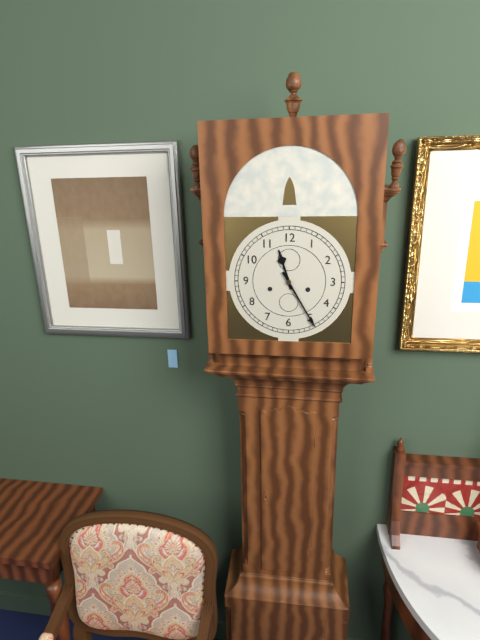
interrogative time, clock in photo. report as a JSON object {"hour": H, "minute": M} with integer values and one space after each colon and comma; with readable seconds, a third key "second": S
{"hour": 11, "minute": 25}
